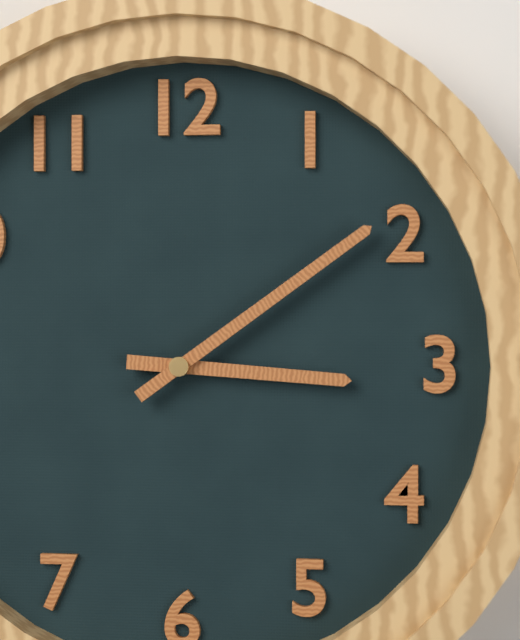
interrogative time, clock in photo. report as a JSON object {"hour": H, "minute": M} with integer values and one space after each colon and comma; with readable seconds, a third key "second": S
{"hour": 3, "minute": 9}
